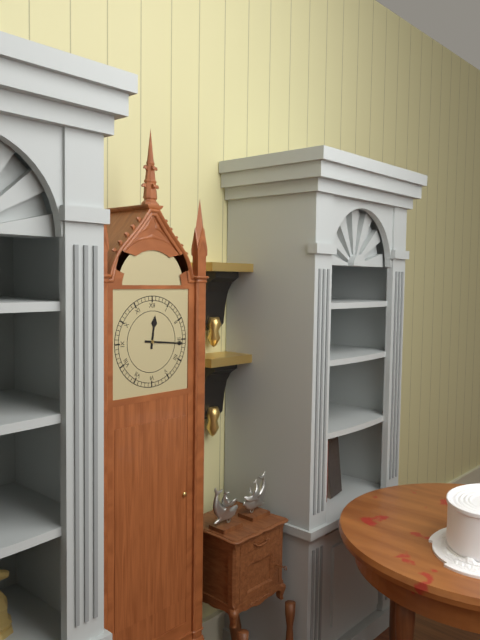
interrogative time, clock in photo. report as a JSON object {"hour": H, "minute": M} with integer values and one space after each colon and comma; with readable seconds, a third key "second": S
{"hour": 12, "minute": 16}
